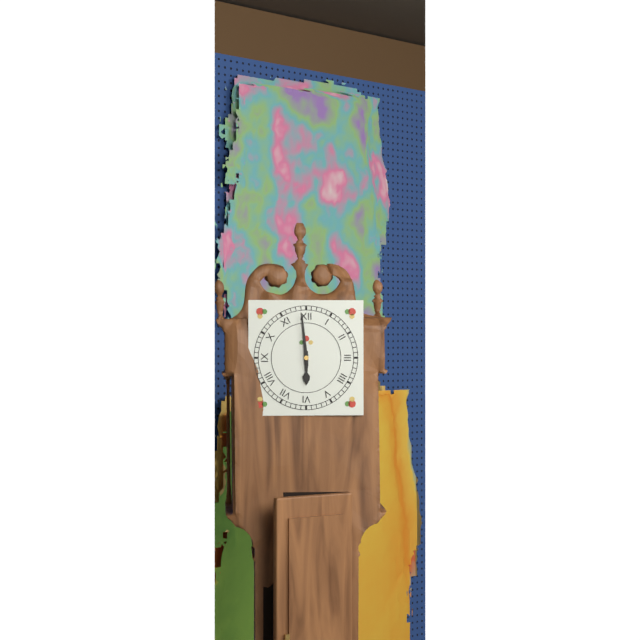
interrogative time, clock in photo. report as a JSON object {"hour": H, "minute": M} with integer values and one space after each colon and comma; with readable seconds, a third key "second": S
{"hour": 5, "minute": 59}
